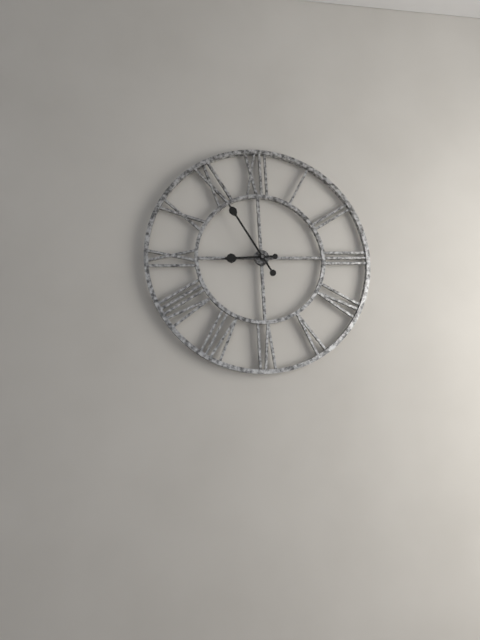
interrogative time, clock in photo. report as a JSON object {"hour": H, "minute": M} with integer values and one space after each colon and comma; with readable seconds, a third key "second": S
{"hour": 8, "minute": 55}
